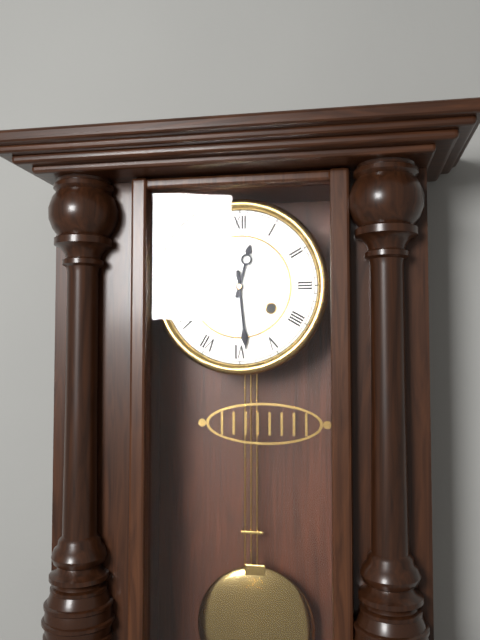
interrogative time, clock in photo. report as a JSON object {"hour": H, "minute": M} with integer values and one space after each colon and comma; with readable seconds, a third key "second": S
{"hour": 12, "minute": 29}
